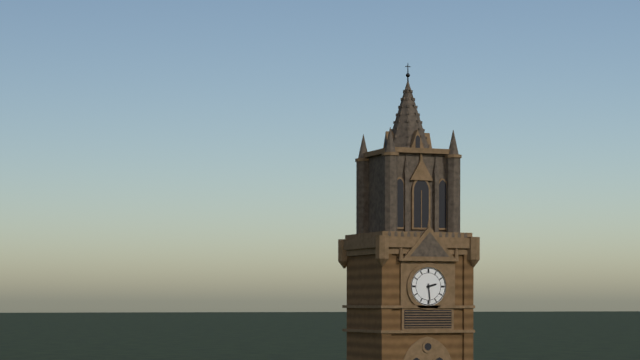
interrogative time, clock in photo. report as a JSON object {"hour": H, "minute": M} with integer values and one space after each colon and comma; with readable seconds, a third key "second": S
{"hour": 2, "minute": 29}
